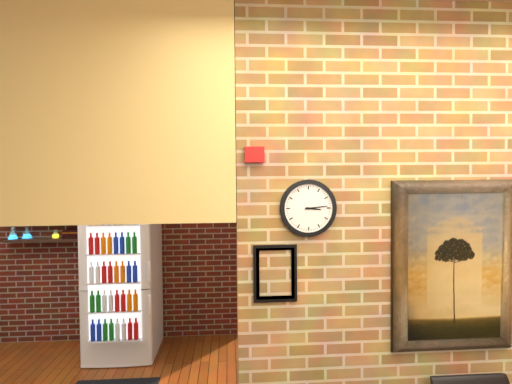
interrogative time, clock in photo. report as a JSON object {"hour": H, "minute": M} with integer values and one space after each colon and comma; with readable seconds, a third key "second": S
{"hour": 3, "minute": 14}
